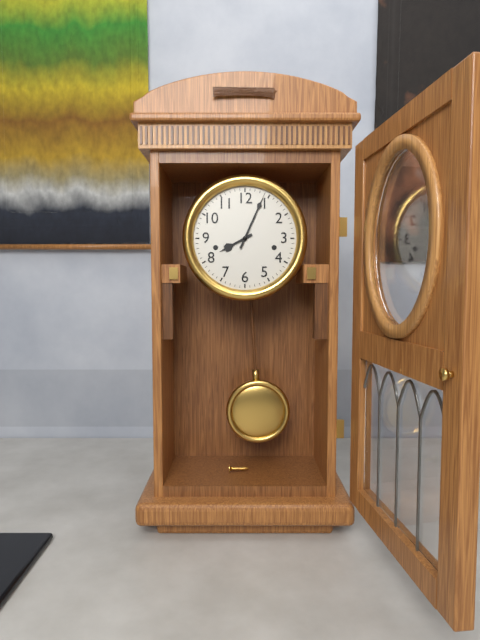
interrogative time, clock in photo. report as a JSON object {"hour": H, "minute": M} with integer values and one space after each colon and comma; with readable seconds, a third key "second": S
{"hour": 8, "minute": 4}
